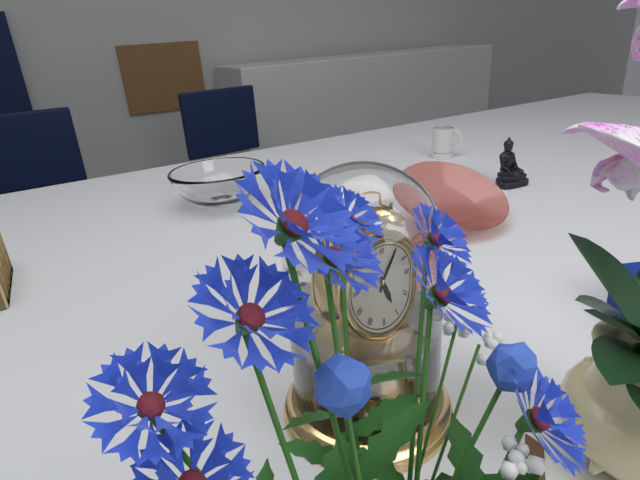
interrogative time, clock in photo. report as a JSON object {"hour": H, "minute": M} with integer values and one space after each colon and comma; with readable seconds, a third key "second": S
{"hour": 5, "minute": 5}
